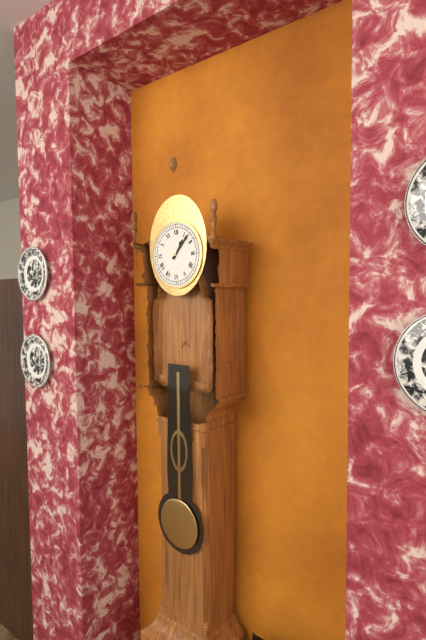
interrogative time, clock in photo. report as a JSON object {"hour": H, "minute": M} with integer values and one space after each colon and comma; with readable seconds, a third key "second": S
{"hour": 1, "minute": 7}
